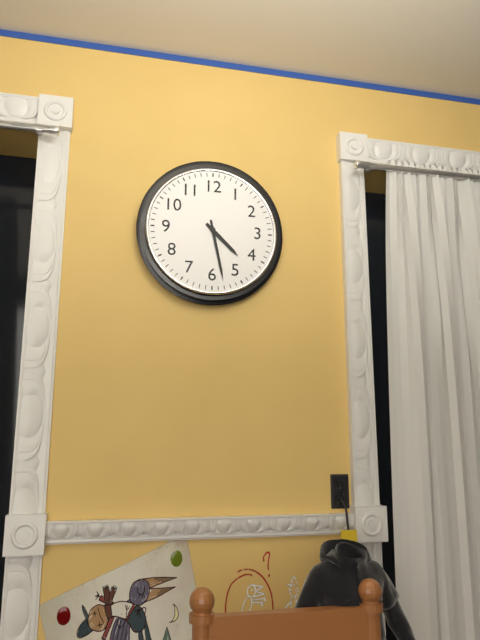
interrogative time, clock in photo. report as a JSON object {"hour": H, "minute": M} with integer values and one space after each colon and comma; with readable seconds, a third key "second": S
{"hour": 4, "minute": 28}
